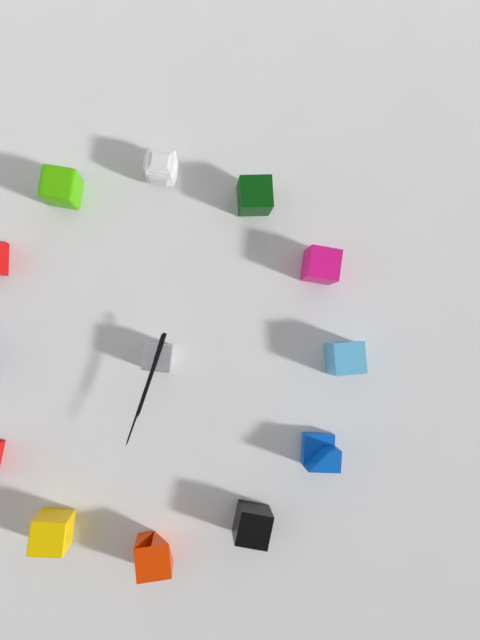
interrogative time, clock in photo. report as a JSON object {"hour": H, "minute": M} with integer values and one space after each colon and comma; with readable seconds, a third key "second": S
{"hour": 6, "minute": 33}
